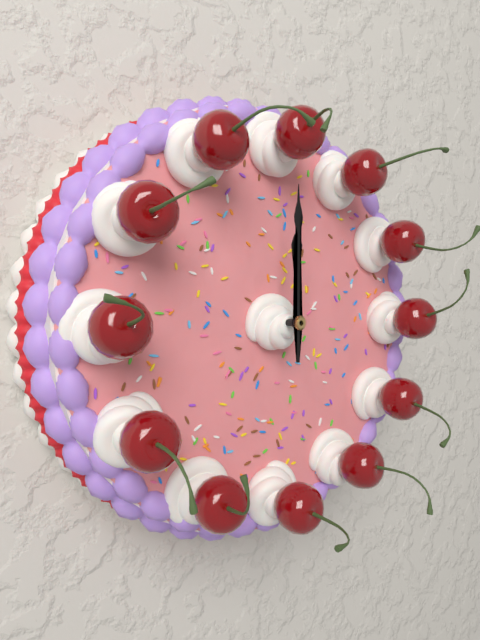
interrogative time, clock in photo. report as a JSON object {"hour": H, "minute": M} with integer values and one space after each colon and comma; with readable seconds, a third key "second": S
{"hour": 12, "minute": 0}
